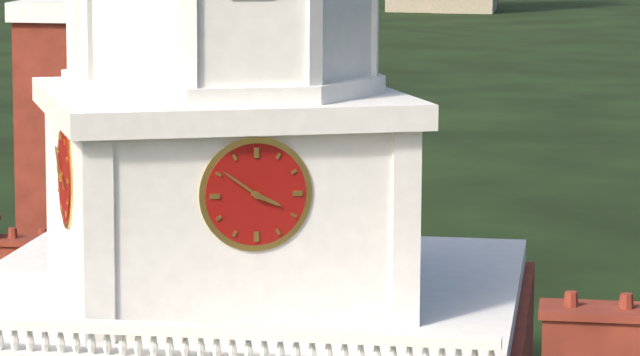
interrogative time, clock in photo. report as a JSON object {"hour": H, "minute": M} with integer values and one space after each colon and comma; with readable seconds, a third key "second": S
{"hour": 3, "minute": 51}
